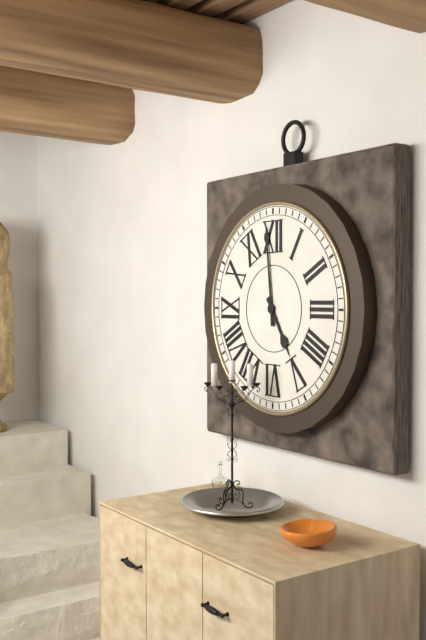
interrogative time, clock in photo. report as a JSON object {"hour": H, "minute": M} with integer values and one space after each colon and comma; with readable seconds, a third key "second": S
{"hour": 4, "minute": 59}
